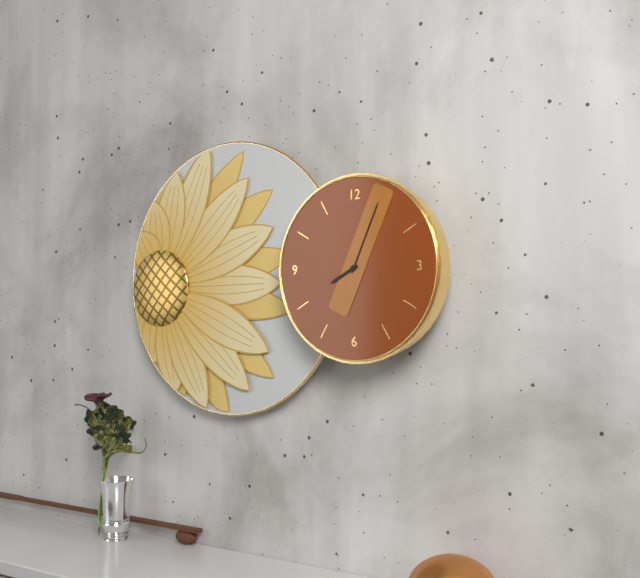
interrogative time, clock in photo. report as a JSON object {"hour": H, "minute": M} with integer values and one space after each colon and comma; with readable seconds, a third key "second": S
{"hour": 8, "minute": 4}
